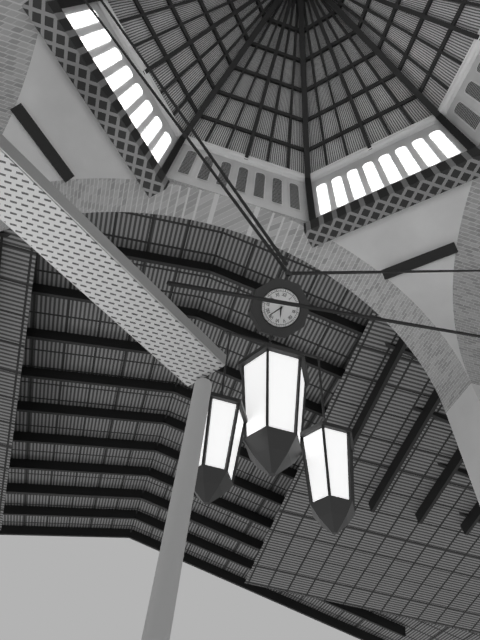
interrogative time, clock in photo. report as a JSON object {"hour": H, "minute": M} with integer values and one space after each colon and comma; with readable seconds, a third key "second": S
{"hour": 5, "minute": 37}
